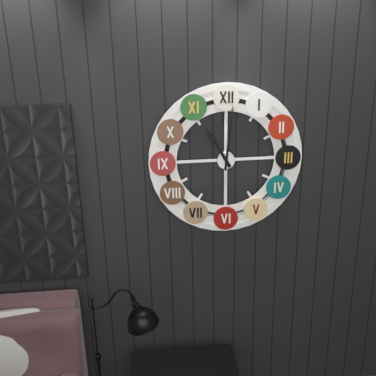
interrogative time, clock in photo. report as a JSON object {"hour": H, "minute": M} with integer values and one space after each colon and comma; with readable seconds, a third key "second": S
{"hour": 11, "minute": 1}
